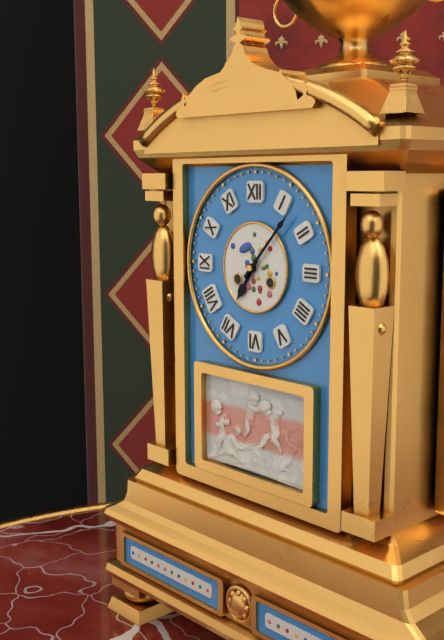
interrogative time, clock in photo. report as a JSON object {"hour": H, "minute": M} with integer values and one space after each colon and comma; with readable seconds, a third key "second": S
{"hour": 7, "minute": 7}
